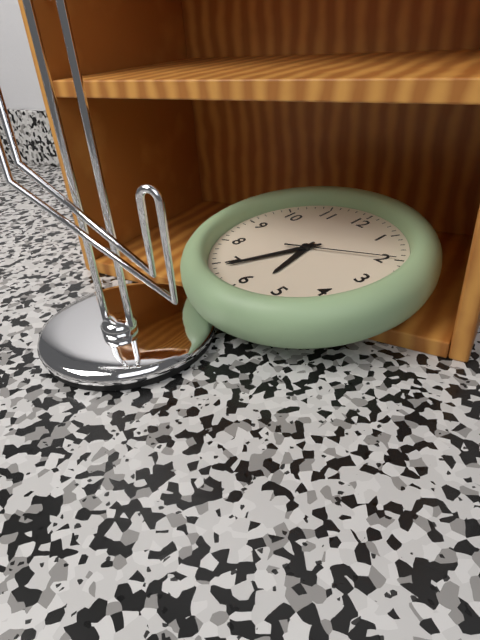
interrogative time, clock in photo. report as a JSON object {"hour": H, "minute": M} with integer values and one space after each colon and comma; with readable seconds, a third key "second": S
{"hour": 5, "minute": 34, "second": 10}
